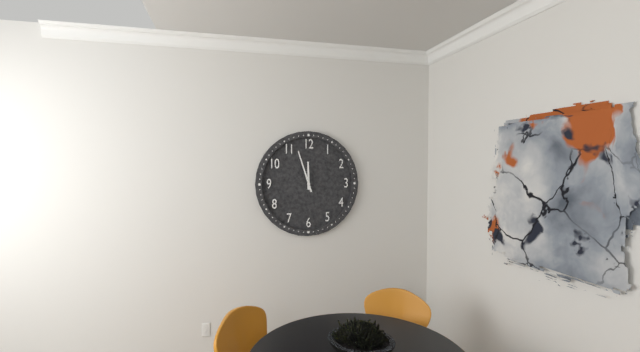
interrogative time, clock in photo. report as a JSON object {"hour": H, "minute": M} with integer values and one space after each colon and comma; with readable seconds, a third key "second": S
{"hour": 11, "minute": 57}
